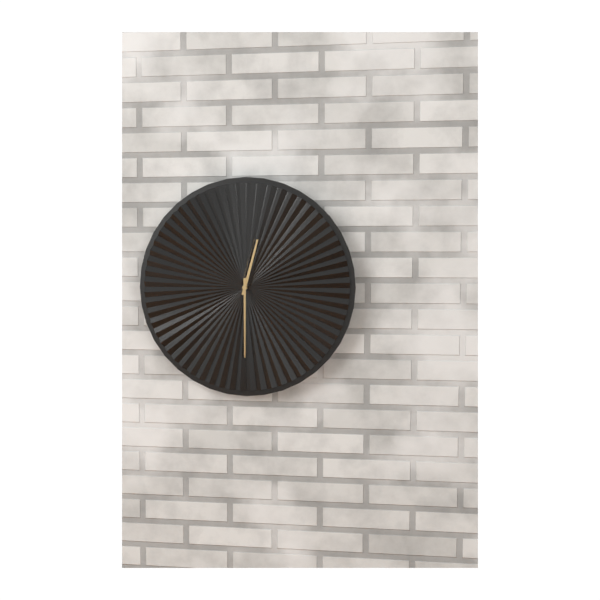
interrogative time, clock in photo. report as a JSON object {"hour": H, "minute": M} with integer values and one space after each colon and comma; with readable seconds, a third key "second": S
{"hour": 12, "minute": 30}
